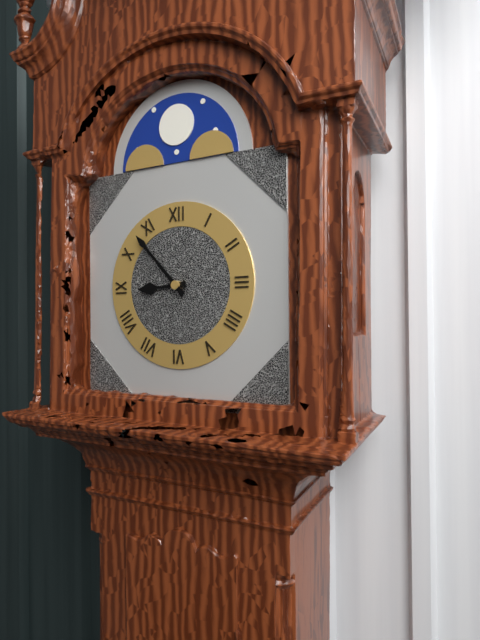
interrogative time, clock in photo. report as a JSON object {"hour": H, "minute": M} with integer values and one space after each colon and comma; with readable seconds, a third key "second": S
{"hour": 8, "minute": 53}
